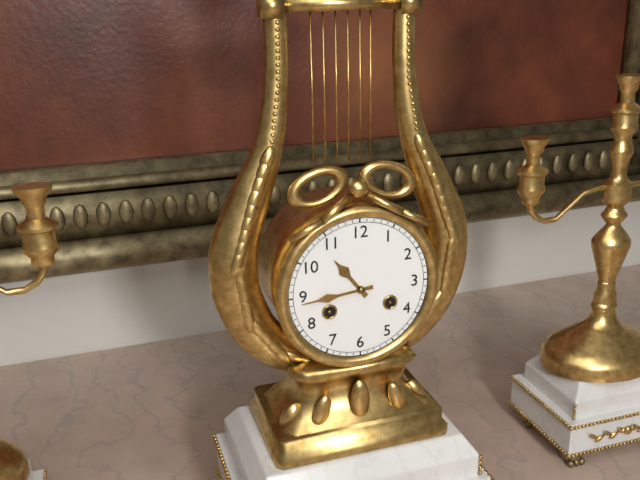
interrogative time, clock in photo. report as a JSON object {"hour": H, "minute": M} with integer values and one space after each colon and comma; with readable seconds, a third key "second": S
{"hour": 10, "minute": 44}
